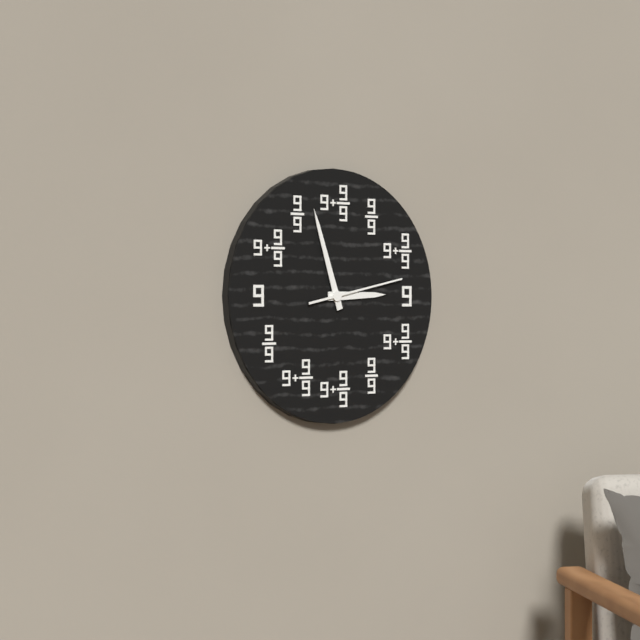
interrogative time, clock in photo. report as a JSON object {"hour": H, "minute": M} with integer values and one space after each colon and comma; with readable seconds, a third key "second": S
{"hour": 2, "minute": 57, "second": 13}
